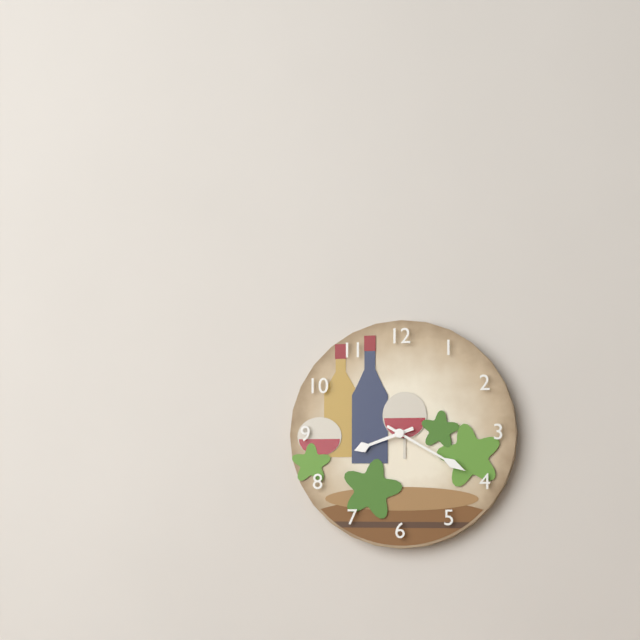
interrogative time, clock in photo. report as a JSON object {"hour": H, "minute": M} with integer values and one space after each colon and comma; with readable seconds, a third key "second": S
{"hour": 8, "minute": 20}
